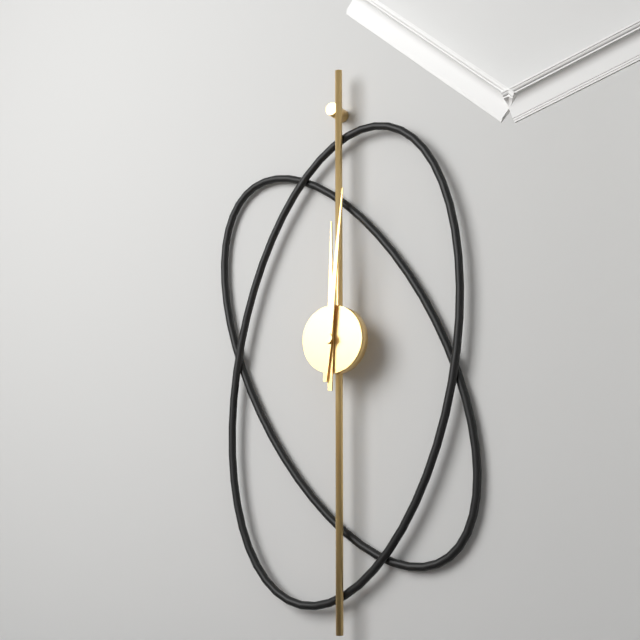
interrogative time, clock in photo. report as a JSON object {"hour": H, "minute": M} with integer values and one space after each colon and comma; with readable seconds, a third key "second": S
{"hour": 12, "minute": 1}
